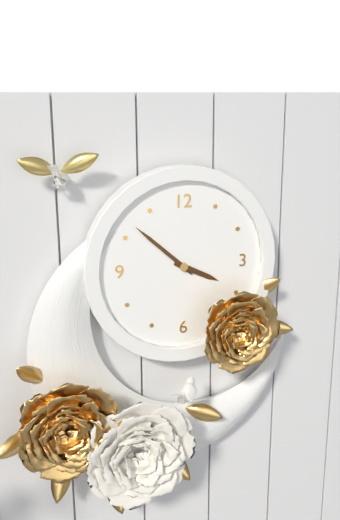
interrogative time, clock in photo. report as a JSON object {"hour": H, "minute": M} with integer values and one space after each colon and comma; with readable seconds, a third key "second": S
{"hour": 3, "minute": 52}
